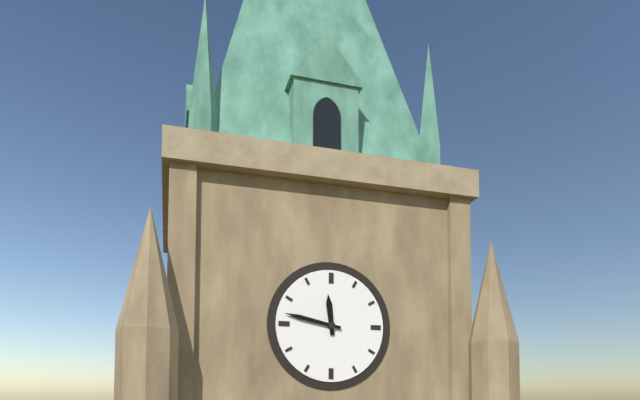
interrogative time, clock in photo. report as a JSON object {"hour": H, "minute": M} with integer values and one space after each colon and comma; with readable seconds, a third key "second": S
{"hour": 11, "minute": 47}
